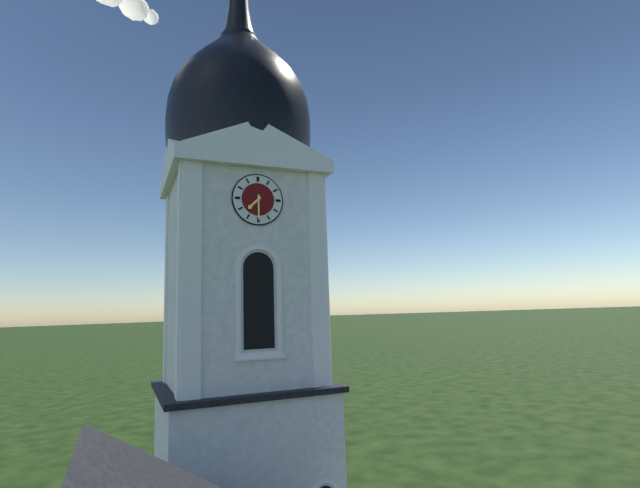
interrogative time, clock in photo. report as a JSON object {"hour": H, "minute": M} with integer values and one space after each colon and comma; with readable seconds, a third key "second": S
{"hour": 7, "minute": 30}
